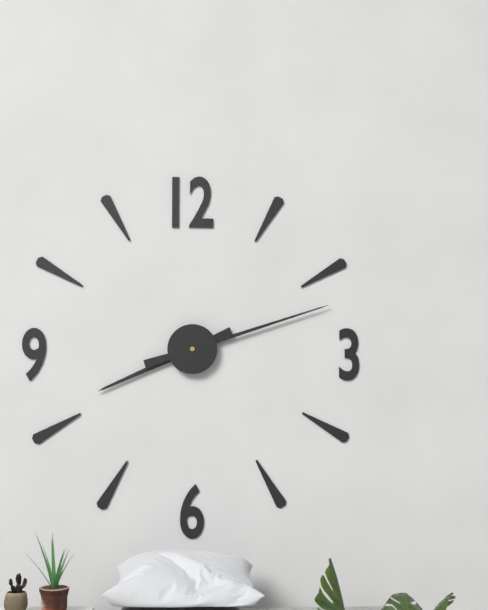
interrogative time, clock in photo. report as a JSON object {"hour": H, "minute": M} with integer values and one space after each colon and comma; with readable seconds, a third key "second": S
{"hour": 8, "minute": 12}
